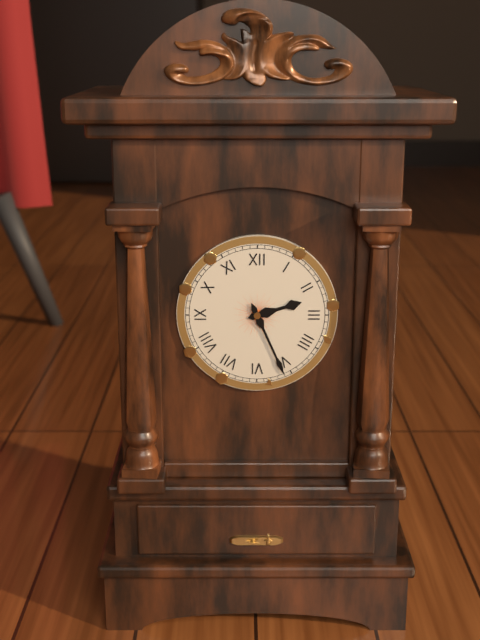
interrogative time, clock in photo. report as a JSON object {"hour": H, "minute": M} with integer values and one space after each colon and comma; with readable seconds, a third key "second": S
{"hour": 2, "minute": 26}
